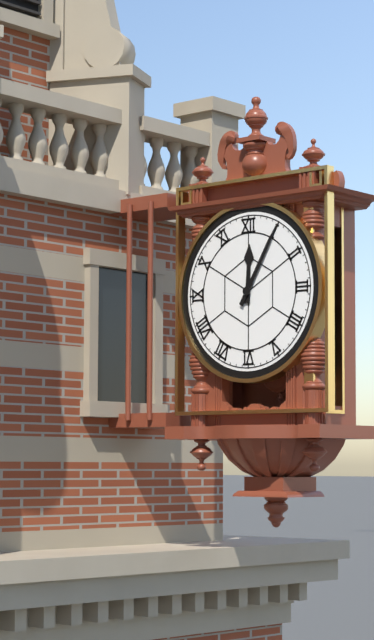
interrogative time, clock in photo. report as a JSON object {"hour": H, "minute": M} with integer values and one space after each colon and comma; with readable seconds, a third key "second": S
{"hour": 12, "minute": 5}
